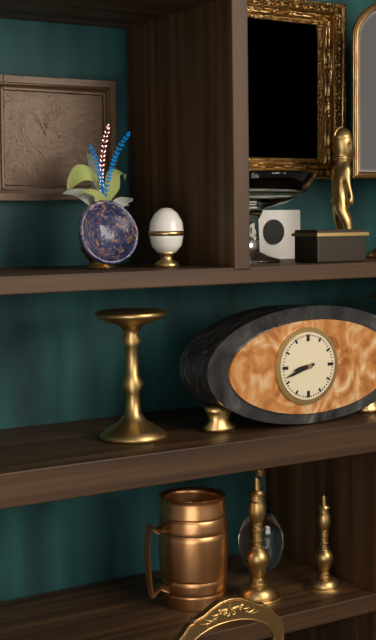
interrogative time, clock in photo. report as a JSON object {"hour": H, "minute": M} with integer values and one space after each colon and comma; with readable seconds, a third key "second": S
{"hour": 8, "minute": 42}
